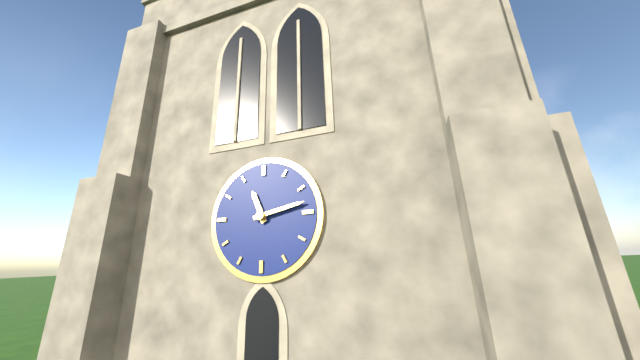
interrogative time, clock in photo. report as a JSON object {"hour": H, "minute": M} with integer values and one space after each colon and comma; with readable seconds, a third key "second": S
{"hour": 11, "minute": 13}
